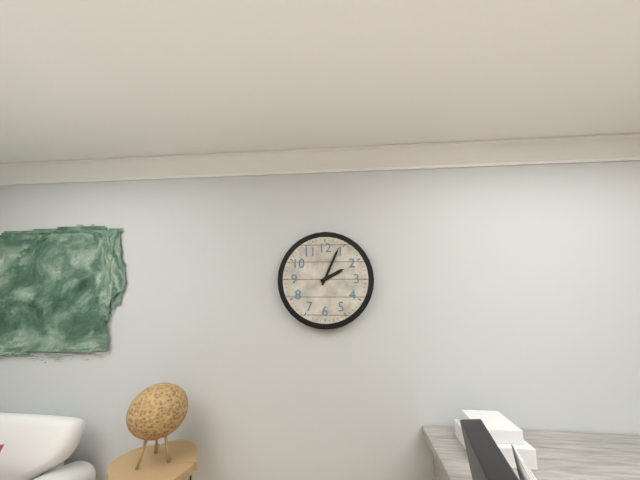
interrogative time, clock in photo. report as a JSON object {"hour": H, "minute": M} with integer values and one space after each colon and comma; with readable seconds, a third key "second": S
{"hour": 2, "minute": 4}
